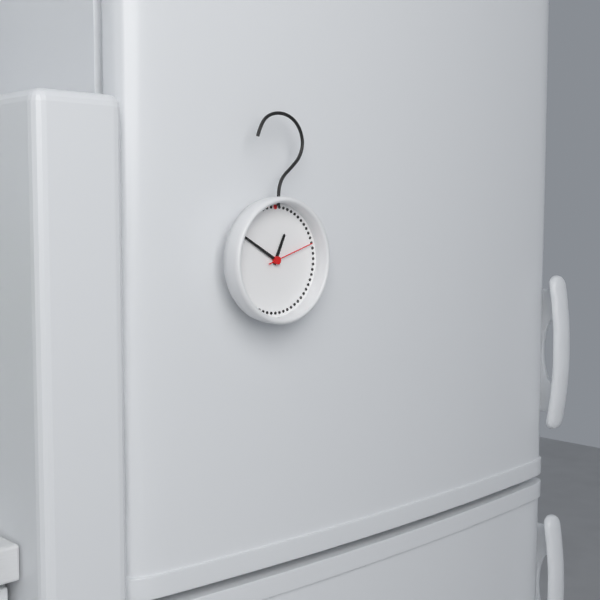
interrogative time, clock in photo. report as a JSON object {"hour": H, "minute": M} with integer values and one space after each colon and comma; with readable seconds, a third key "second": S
{"hour": 12, "minute": 50}
